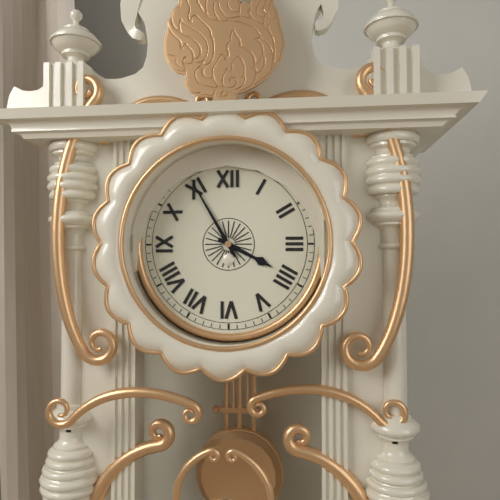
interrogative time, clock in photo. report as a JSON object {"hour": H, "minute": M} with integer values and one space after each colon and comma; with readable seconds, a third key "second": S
{"hour": 3, "minute": 55}
